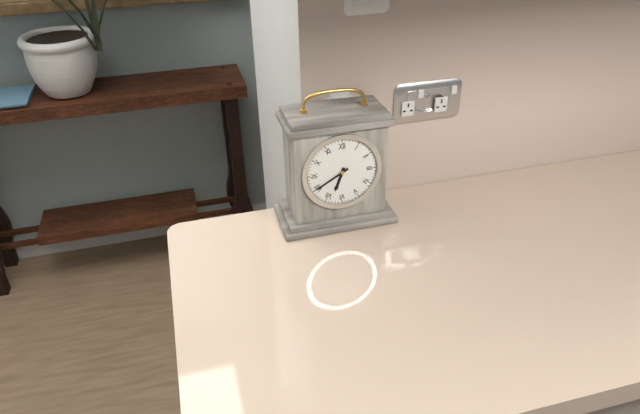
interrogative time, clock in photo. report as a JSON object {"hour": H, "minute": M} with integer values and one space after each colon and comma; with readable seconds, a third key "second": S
{"hour": 6, "minute": 40}
